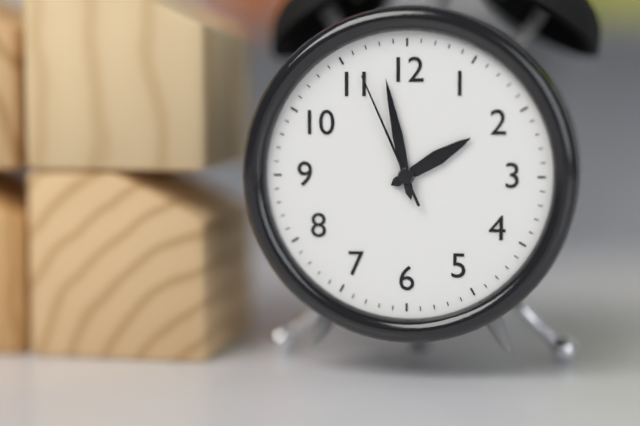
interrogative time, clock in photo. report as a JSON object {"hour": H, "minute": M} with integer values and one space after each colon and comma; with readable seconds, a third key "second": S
{"hour": 1, "minute": 58, "second": 56}
